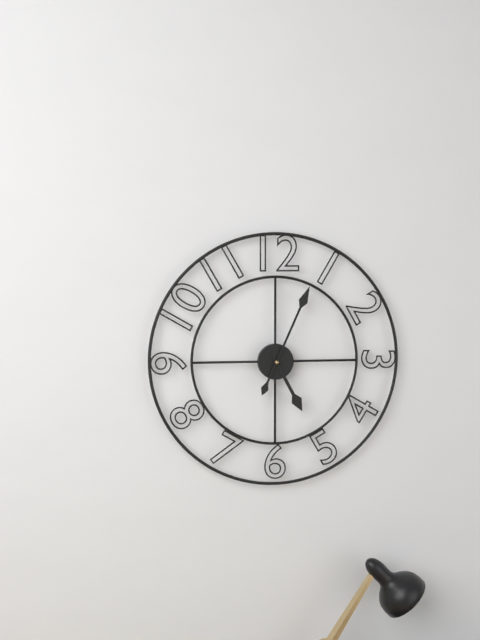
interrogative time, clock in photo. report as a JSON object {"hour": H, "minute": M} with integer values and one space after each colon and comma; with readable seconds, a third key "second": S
{"hour": 5, "minute": 4}
